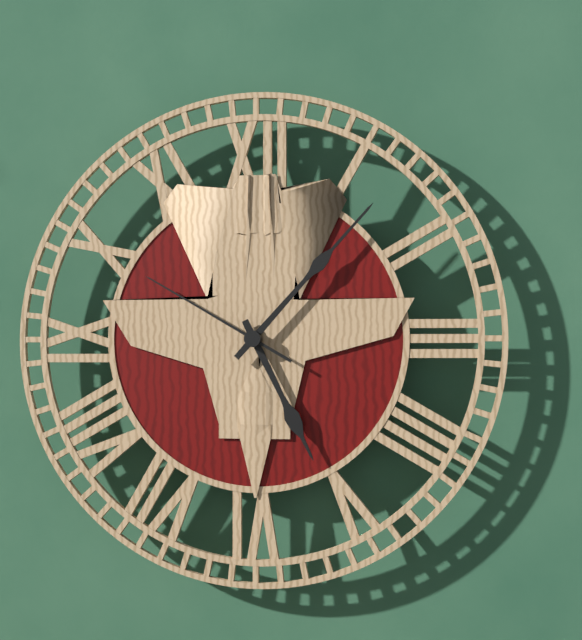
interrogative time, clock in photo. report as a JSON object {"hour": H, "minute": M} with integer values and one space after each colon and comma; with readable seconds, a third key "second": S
{"hour": 5, "minute": 7, "second": 50}
